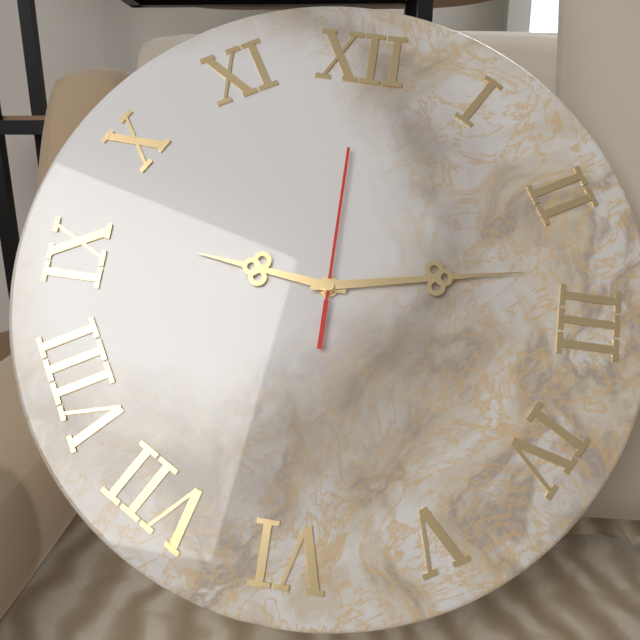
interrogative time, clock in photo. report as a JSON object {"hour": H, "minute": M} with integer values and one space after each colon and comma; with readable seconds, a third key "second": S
{"hour": 9, "minute": 13, "second": 0}
